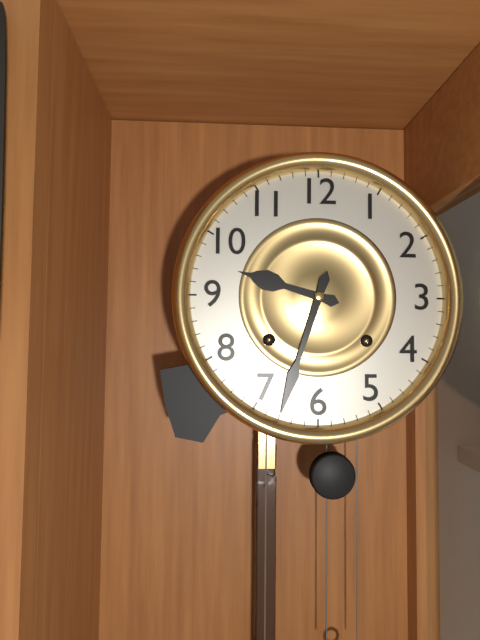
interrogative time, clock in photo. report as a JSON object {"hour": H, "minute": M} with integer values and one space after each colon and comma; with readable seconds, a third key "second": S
{"hour": 9, "minute": 33}
